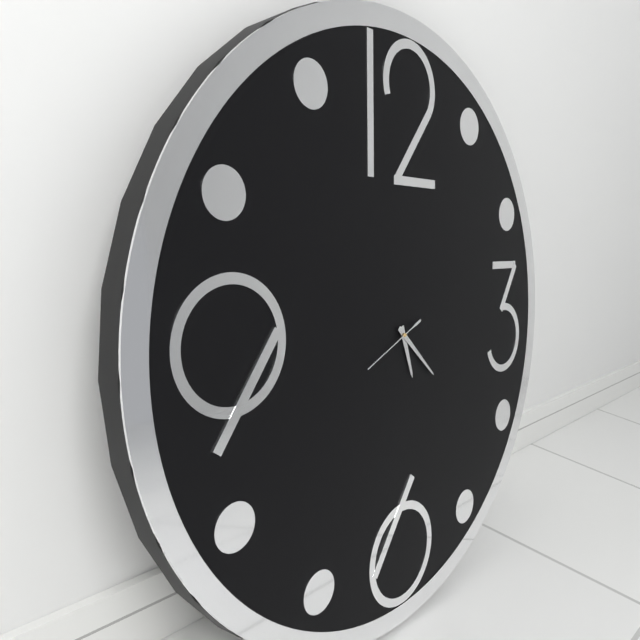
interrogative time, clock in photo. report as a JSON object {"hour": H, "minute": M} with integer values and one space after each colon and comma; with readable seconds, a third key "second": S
{"hour": 5, "minute": 22, "second": 41}
